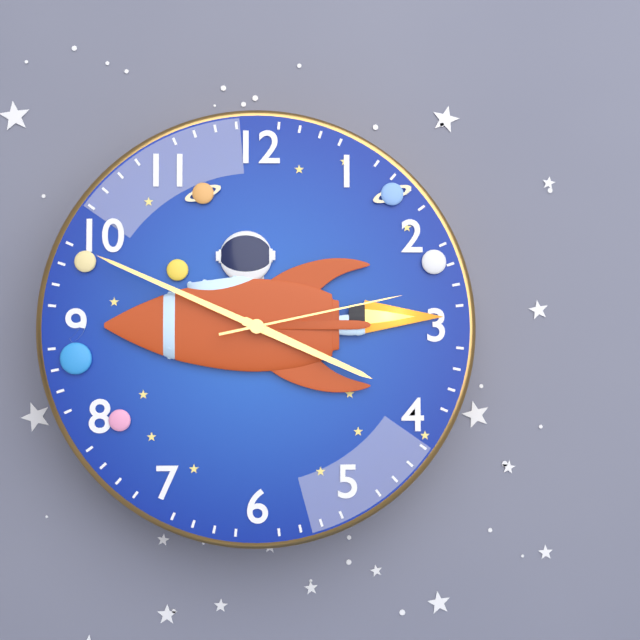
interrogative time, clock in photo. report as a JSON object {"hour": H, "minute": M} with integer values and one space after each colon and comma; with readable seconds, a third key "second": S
{"hour": 3, "minute": 49, "second": 13}
